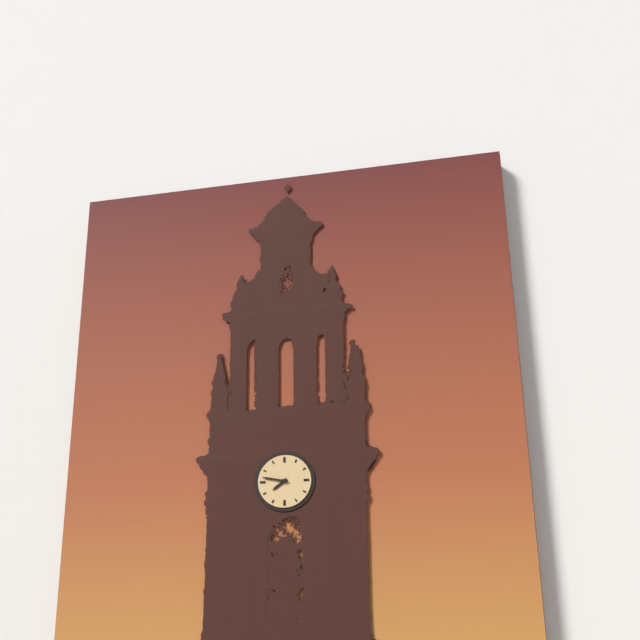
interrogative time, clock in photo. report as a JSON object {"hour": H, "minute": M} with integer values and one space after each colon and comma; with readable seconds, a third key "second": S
{"hour": 7, "minute": 47}
